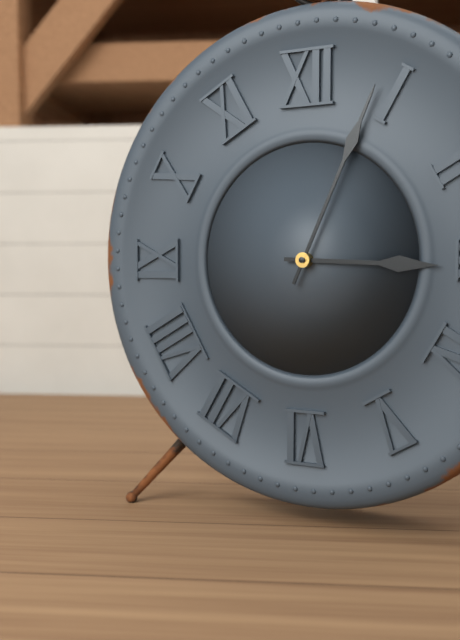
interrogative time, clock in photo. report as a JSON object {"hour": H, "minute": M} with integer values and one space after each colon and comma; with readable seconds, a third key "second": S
{"hour": 3, "minute": 4}
